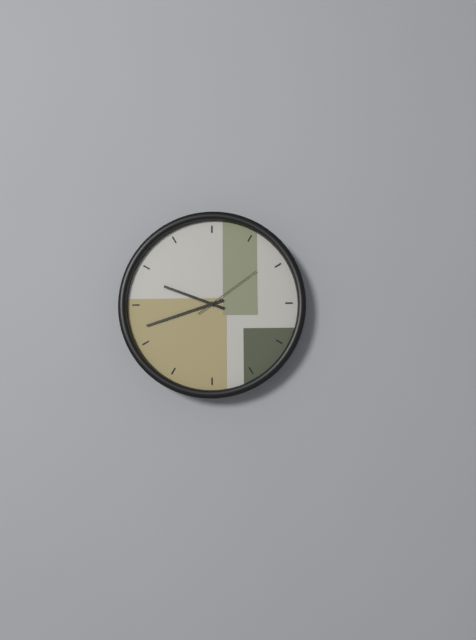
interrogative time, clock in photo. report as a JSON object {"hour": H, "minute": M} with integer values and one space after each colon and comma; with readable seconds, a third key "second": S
{"hour": 9, "minute": 42, "second": 9}
